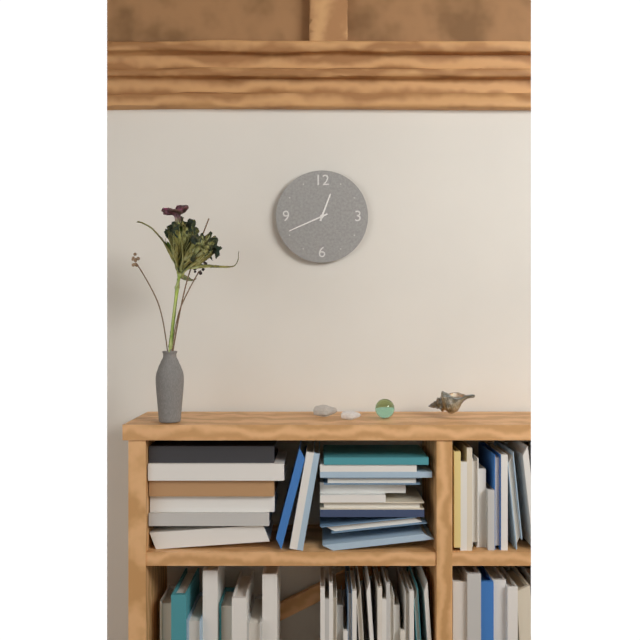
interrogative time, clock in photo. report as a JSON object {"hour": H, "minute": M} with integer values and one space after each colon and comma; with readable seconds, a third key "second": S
{"hour": 12, "minute": 41}
